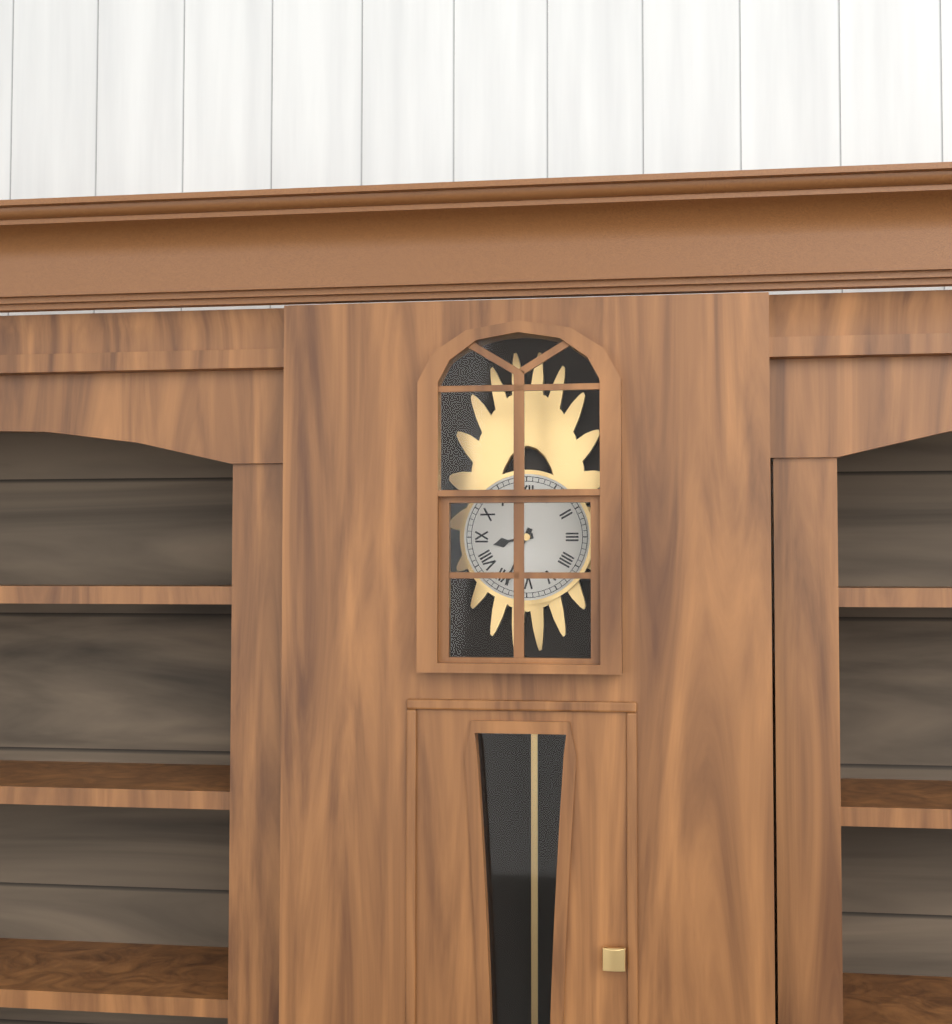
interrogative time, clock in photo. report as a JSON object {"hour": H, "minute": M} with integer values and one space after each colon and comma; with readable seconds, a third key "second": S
{"hour": 8, "minute": 34}
